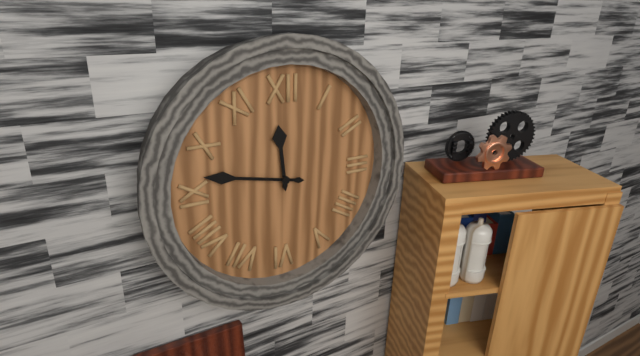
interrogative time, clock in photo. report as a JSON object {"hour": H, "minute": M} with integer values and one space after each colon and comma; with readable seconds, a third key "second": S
{"hour": 11, "minute": 47}
